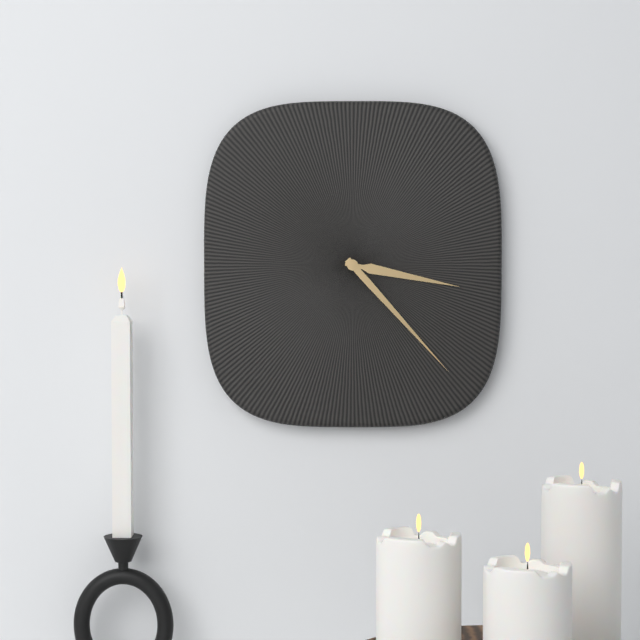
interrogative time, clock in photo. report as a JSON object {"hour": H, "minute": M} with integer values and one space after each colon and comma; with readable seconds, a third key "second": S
{"hour": 3, "minute": 23}
